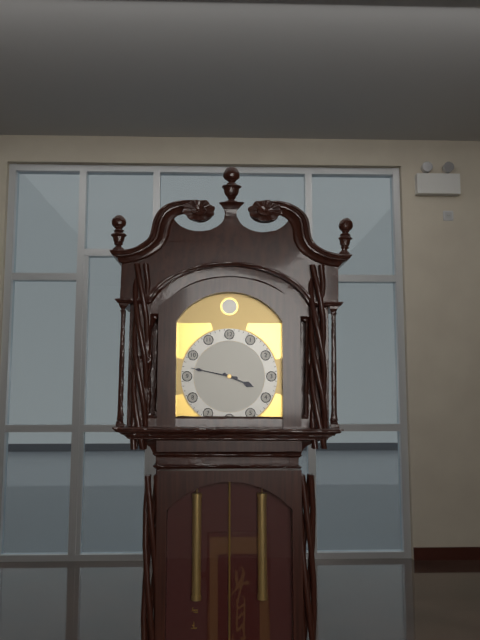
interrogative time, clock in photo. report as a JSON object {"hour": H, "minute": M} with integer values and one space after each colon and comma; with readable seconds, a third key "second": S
{"hour": 3, "minute": 47}
